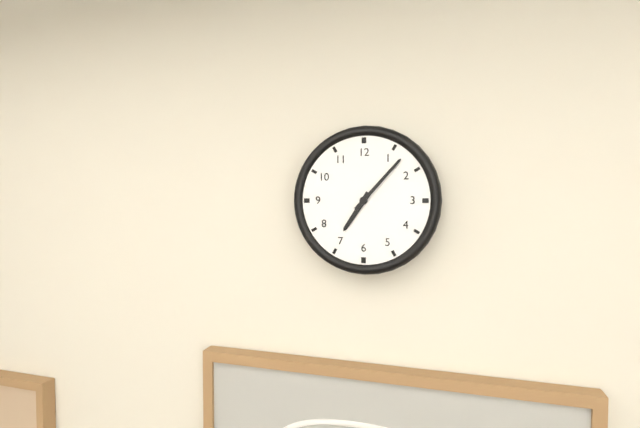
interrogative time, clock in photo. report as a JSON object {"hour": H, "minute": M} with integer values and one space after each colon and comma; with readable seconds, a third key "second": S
{"hour": 7, "minute": 7}
